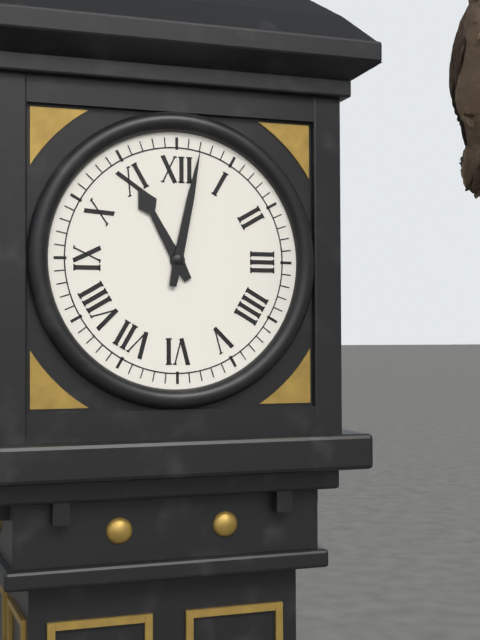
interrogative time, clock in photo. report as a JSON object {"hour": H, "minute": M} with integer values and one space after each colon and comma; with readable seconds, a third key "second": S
{"hour": 11, "minute": 2}
